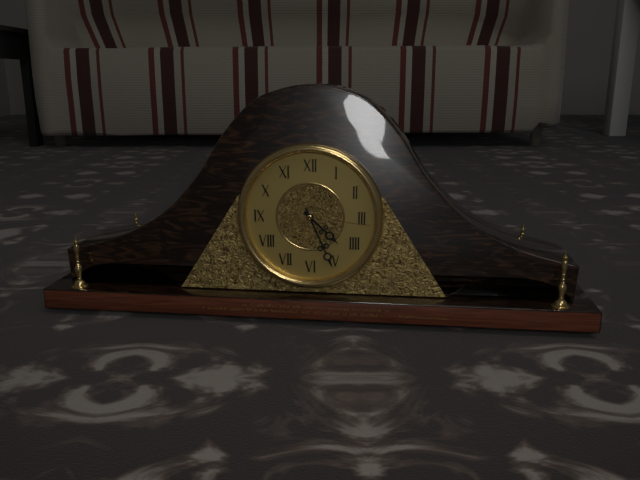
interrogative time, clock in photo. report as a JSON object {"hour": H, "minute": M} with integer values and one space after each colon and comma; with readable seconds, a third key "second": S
{"hour": 4, "minute": 26, "second": 16}
